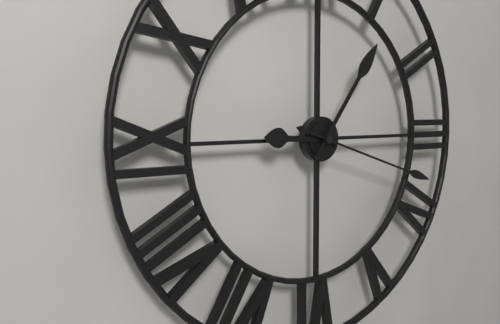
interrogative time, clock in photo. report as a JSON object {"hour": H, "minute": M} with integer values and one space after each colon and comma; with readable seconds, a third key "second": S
{"hour": 9, "minute": 6, "second": 18}
